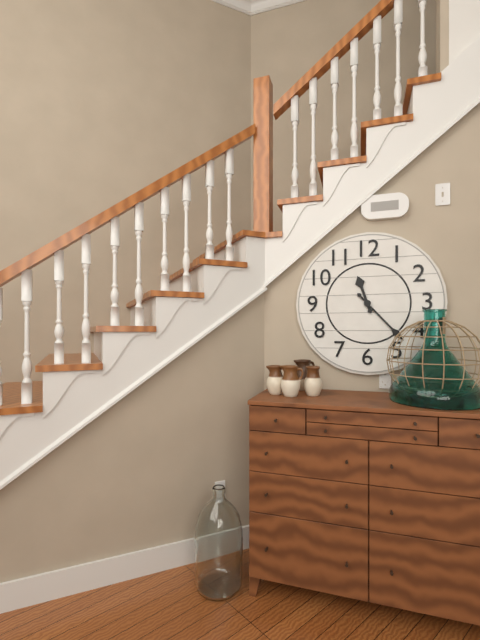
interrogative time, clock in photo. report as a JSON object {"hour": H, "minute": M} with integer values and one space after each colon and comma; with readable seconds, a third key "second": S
{"hour": 11, "minute": 23}
